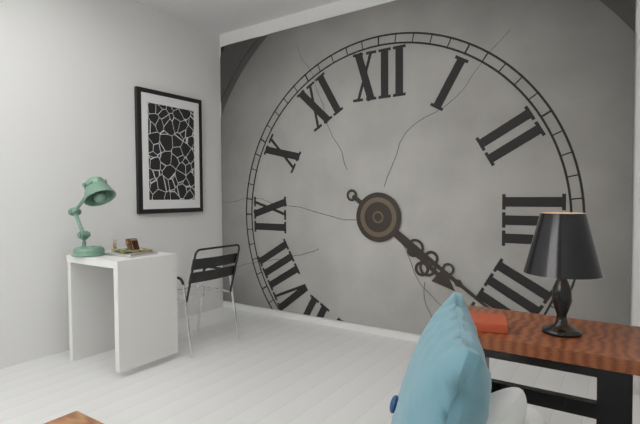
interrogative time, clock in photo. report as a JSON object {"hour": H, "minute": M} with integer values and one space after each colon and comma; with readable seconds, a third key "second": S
{"hour": 4, "minute": 21}
